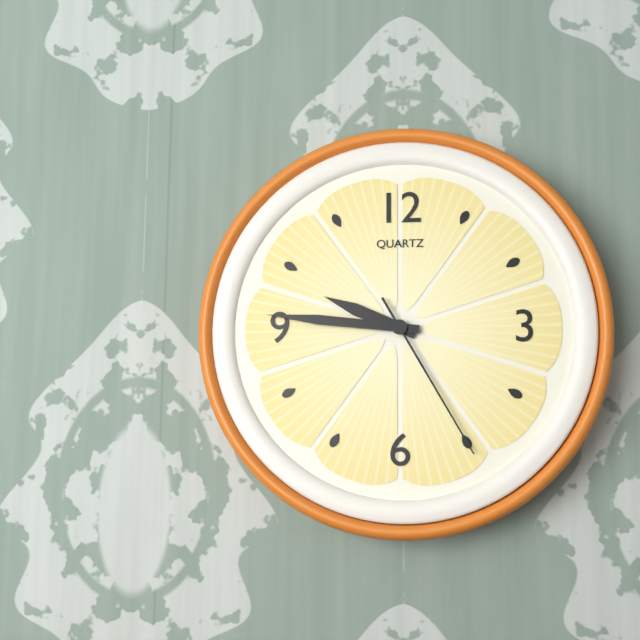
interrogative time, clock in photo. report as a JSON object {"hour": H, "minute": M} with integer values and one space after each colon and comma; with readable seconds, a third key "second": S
{"hour": 9, "minute": 46, "second": 25}
